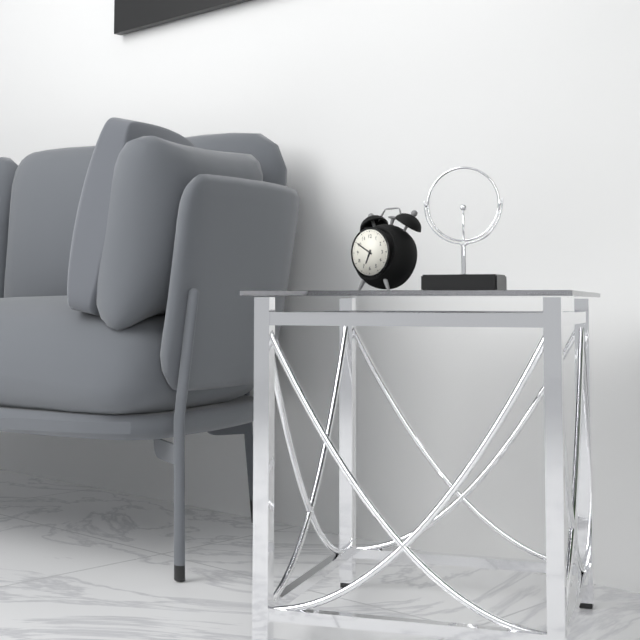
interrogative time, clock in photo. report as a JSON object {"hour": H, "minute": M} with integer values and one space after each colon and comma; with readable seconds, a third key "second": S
{"hour": 6, "minute": 50}
